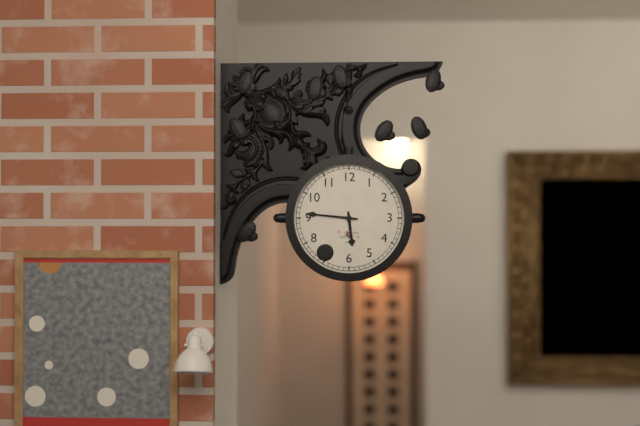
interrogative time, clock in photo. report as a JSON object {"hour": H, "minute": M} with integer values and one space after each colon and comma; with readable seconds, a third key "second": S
{"hour": 5, "minute": 46}
